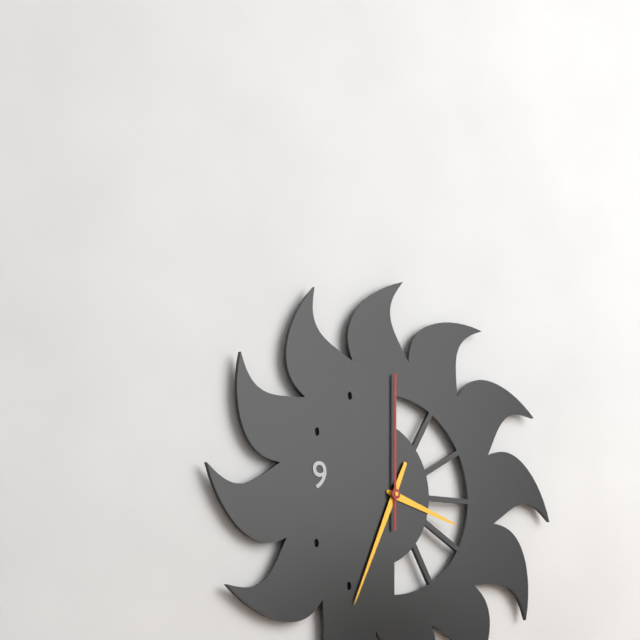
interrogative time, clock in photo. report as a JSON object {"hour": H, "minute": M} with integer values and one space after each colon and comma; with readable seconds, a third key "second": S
{"hour": 3, "minute": 34, "second": 0}
